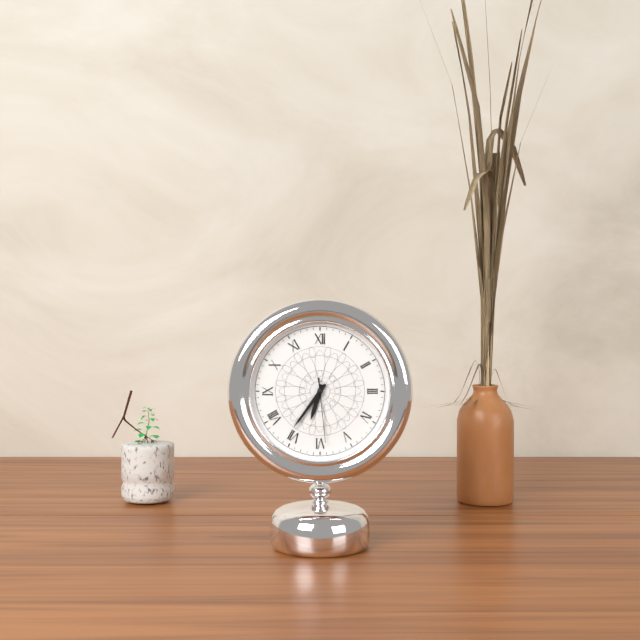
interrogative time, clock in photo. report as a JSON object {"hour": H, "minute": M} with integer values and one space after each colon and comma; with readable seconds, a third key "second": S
{"hour": 6, "minute": 36, "second": 29}
